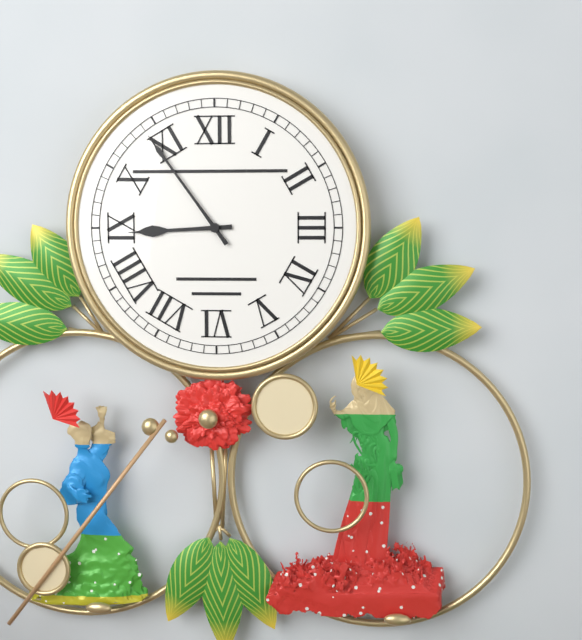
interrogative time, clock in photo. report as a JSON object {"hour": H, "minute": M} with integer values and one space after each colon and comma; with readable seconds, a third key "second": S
{"hour": 8, "minute": 54}
